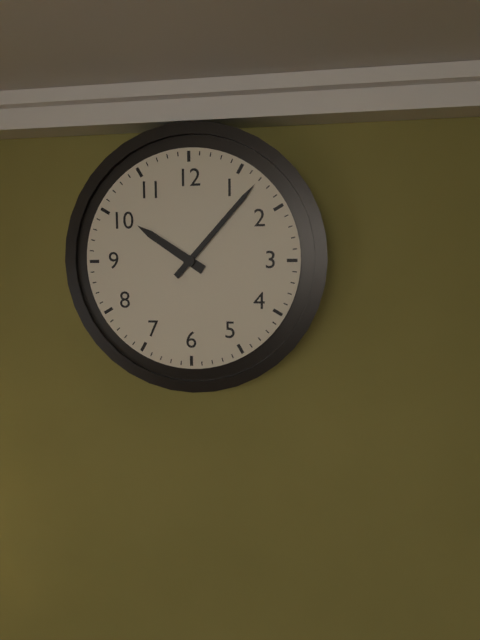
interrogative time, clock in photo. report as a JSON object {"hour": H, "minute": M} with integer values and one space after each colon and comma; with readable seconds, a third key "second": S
{"hour": 10, "minute": 7}
